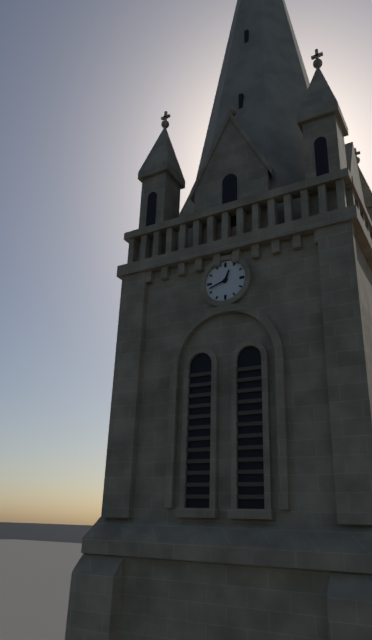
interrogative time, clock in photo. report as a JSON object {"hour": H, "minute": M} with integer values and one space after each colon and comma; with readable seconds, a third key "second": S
{"hour": 12, "minute": 42}
